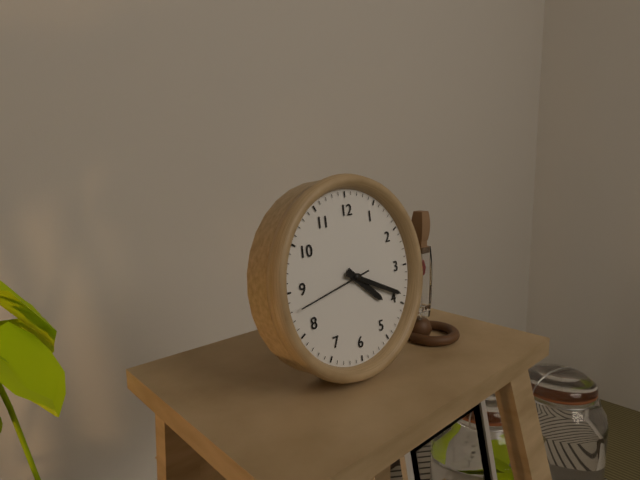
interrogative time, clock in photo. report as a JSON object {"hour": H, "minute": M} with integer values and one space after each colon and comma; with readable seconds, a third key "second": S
{"hour": 4, "minute": 19, "second": 43}
